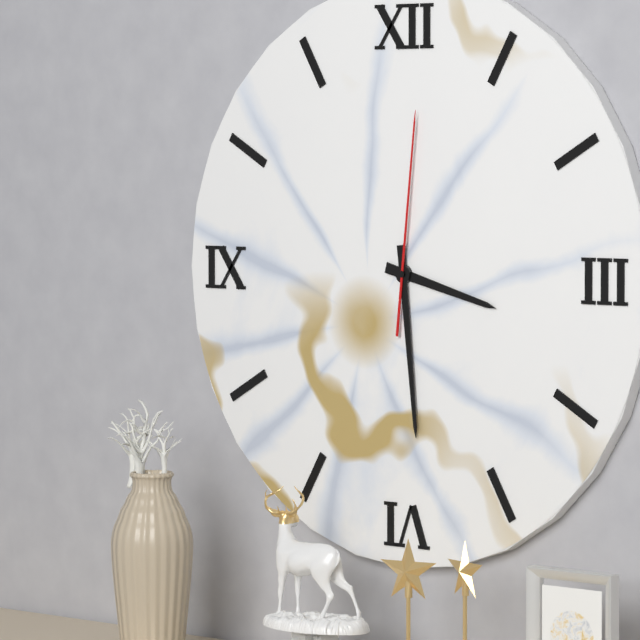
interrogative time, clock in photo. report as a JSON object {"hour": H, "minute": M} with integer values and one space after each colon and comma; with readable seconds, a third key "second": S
{"hour": 3, "minute": 29, "second": 1}
